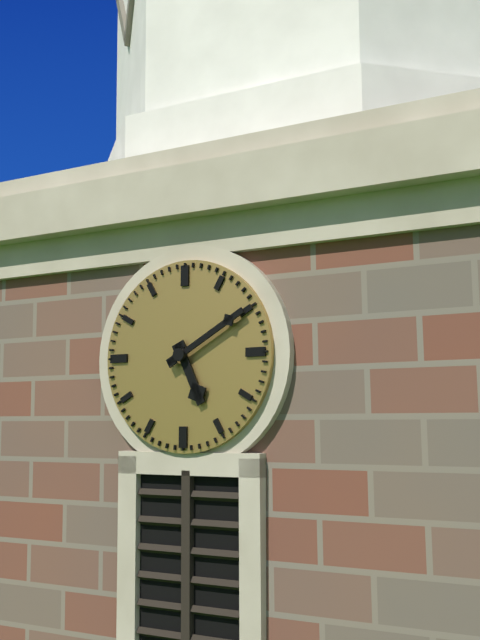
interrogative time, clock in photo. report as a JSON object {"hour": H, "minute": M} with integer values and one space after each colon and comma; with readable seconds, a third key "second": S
{"hour": 5, "minute": 10}
